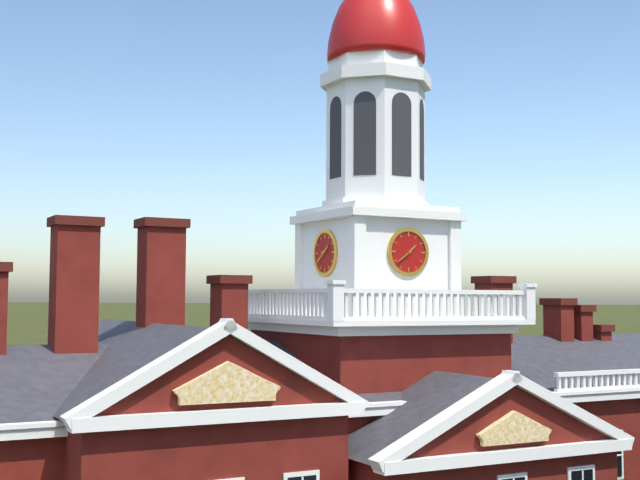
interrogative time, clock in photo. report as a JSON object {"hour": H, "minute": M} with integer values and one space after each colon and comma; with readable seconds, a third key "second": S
{"hour": 1, "minute": 39}
